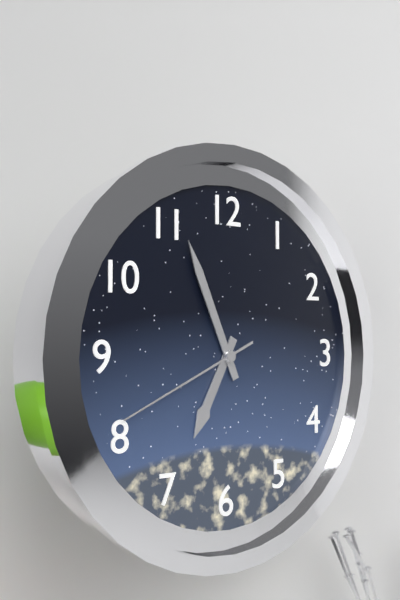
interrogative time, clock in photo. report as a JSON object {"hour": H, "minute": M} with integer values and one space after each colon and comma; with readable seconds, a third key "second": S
{"hour": 6, "minute": 56, "second": 41}
